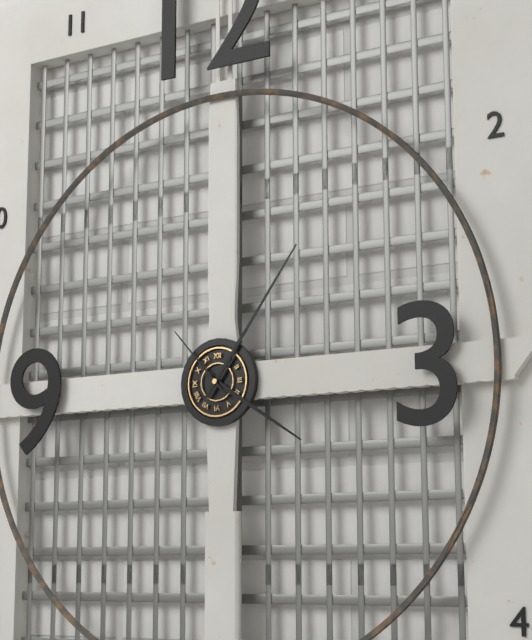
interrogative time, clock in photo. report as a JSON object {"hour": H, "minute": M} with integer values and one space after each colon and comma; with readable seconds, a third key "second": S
{"hour": 4, "minute": 6, "second": 53}
